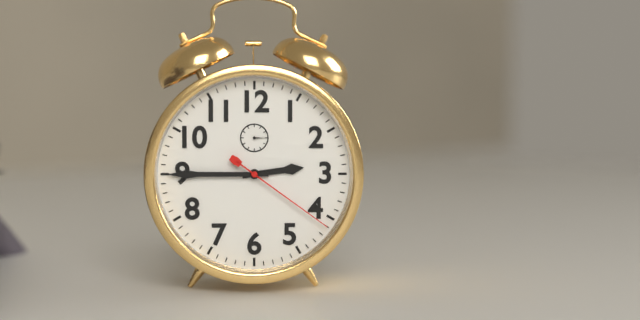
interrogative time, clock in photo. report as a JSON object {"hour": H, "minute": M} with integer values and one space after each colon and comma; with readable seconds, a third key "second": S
{"hour": 2, "minute": 45, "second": 21}
